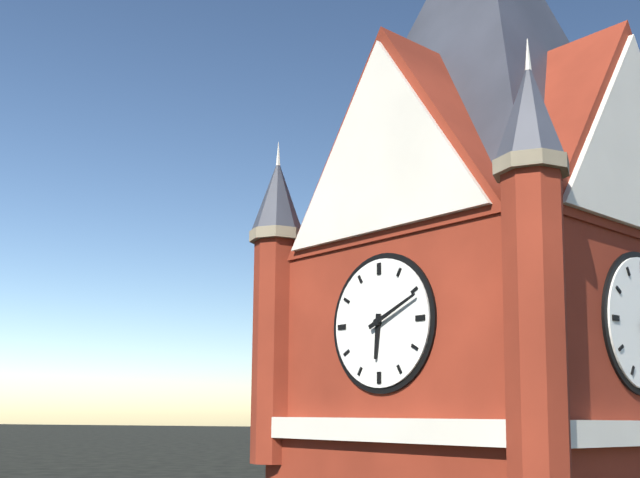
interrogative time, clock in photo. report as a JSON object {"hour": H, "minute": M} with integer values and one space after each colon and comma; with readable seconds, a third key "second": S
{"hour": 6, "minute": 11}
